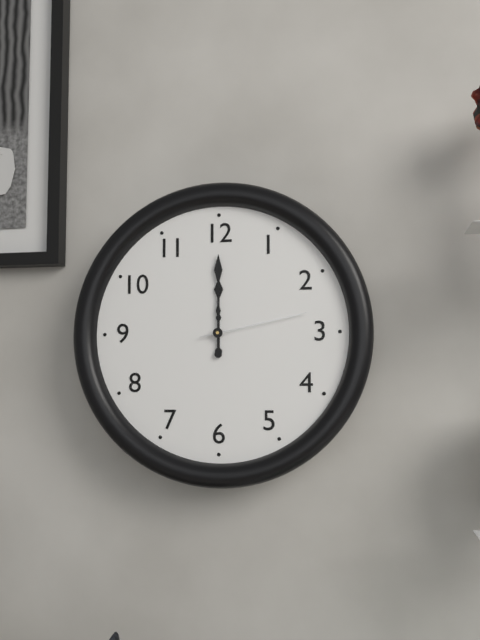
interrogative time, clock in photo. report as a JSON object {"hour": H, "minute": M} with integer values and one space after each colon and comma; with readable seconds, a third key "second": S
{"hour": 12, "minute": 0, "second": 13}
